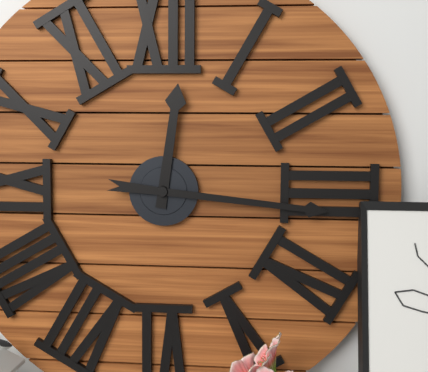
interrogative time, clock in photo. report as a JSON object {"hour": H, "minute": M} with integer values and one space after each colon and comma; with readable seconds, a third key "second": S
{"hour": 12, "minute": 16}
